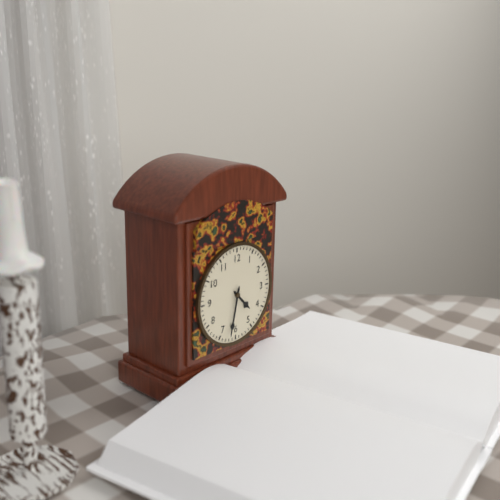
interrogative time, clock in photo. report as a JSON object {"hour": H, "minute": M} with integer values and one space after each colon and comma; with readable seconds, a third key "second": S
{"hour": 4, "minute": 32}
